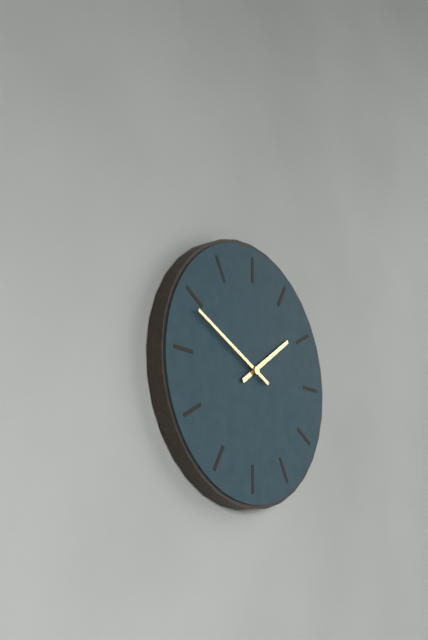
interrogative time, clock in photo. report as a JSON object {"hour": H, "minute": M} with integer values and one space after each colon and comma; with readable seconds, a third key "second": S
{"hour": 1, "minute": 49}
